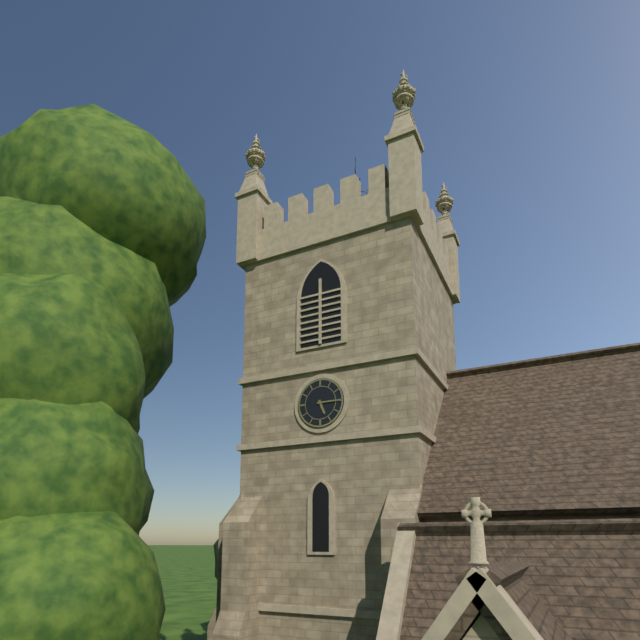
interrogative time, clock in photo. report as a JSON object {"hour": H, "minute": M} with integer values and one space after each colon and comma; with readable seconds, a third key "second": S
{"hour": 5, "minute": 15}
